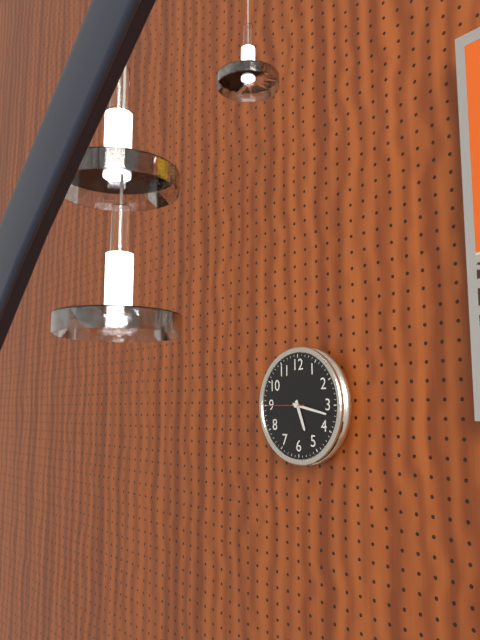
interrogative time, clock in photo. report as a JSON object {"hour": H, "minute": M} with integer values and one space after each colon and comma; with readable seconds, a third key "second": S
{"hour": 5, "minute": 17}
